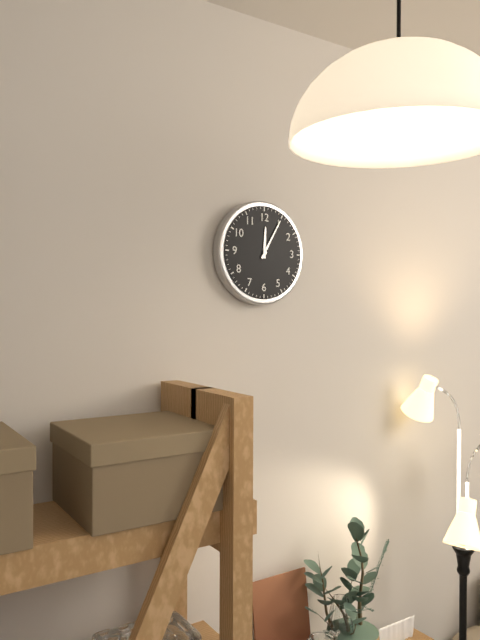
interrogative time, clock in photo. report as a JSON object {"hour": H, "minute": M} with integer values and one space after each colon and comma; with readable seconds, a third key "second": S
{"hour": 12, "minute": 5}
